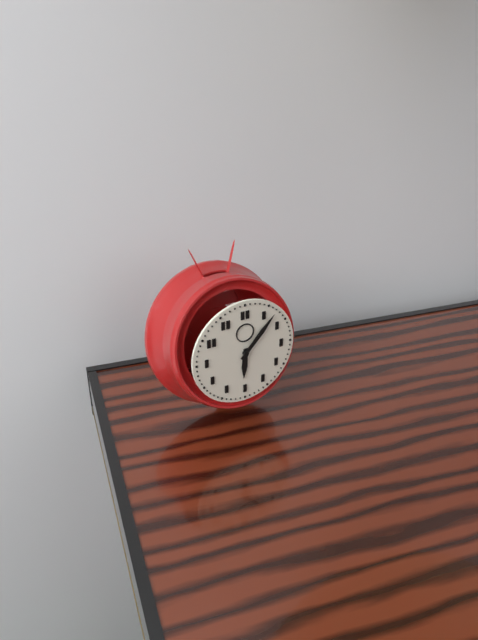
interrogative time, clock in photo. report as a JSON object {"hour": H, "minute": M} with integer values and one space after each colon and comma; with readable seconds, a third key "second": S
{"hour": 6, "minute": 7}
